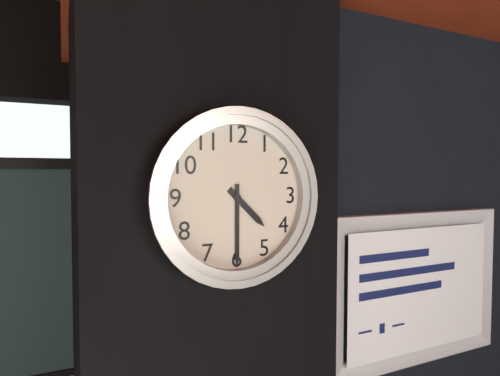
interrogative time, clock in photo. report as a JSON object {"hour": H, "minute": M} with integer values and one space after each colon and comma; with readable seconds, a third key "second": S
{"hour": 4, "minute": 30}
